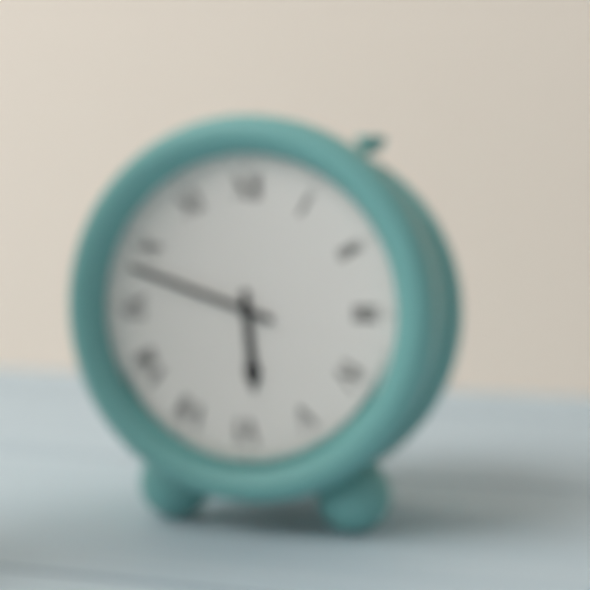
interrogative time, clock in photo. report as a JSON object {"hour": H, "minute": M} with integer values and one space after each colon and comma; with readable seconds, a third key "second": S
{"hour": 5, "minute": 48}
